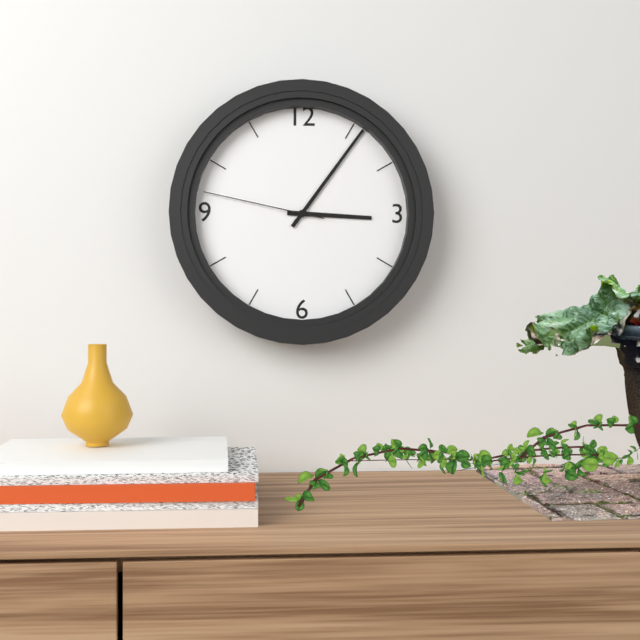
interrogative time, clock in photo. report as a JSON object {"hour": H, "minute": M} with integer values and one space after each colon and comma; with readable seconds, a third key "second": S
{"hour": 3, "minute": 6, "second": 47}
